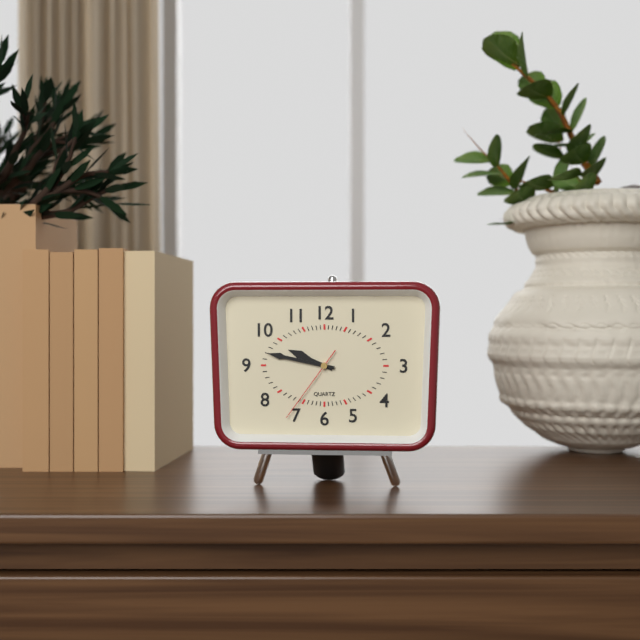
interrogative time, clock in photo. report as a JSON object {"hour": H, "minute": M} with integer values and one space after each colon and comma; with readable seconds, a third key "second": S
{"hour": 9, "minute": 47, "second": 36}
